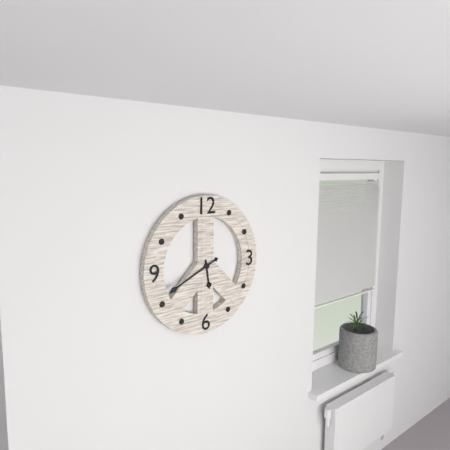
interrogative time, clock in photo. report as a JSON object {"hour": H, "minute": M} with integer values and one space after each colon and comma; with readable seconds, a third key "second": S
{"hour": 5, "minute": 41}
